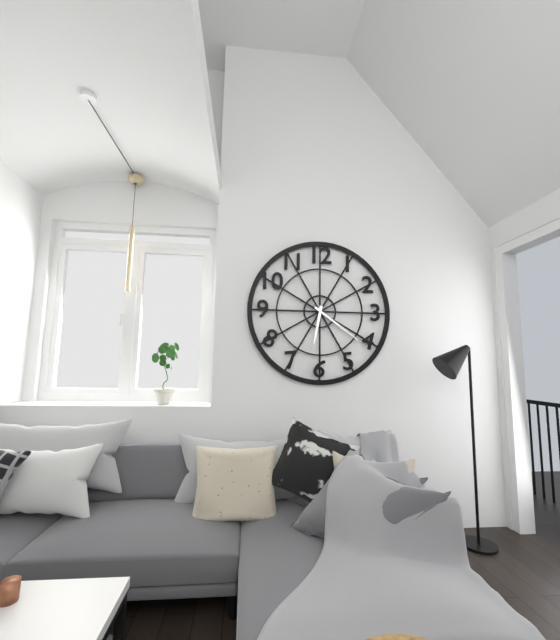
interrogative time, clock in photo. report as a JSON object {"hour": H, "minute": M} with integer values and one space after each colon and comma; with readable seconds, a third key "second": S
{"hour": 6, "minute": 21}
